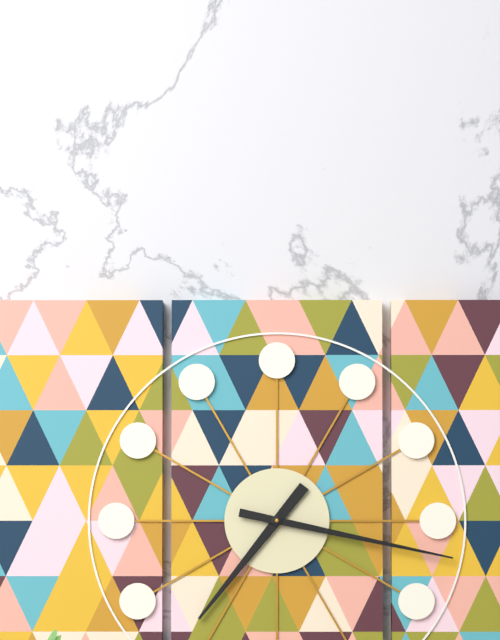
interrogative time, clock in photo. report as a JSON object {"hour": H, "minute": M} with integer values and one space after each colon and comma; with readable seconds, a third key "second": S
{"hour": 7, "minute": 17}
